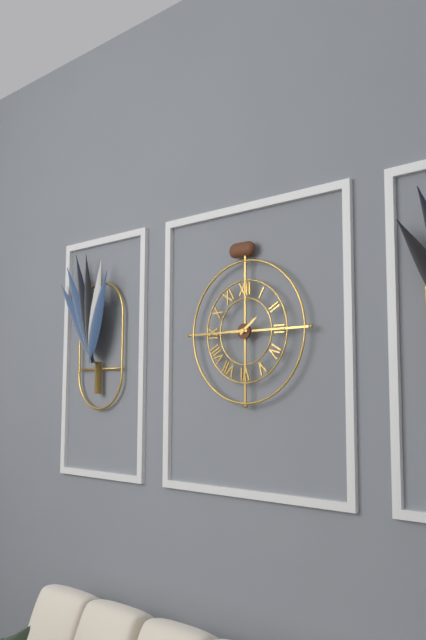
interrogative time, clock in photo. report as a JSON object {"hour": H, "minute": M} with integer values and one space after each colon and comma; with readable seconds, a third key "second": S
{"hour": 1, "minute": 45}
